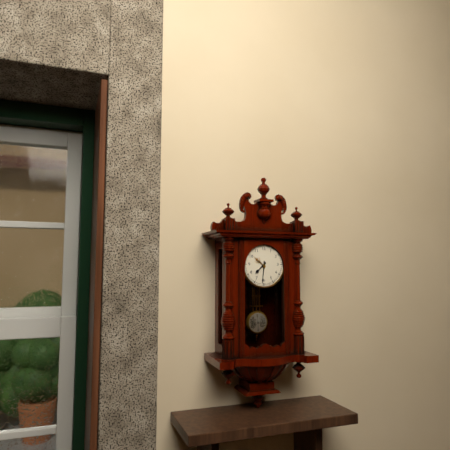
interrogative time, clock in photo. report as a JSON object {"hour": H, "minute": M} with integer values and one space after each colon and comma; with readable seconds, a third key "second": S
{"hour": 7, "minute": 31}
